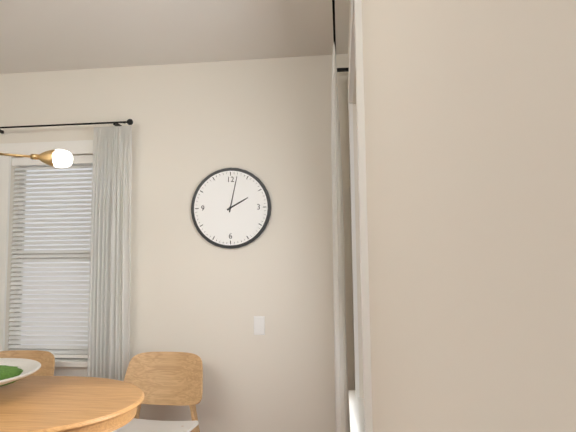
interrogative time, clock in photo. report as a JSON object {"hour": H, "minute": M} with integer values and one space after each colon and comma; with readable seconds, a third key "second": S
{"hour": 2, "minute": 2}
